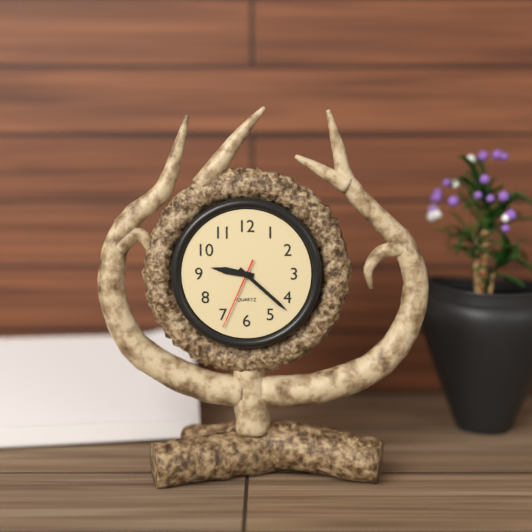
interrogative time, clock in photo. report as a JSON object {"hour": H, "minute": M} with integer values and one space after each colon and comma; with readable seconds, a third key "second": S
{"hour": 9, "minute": 22, "second": 34}
